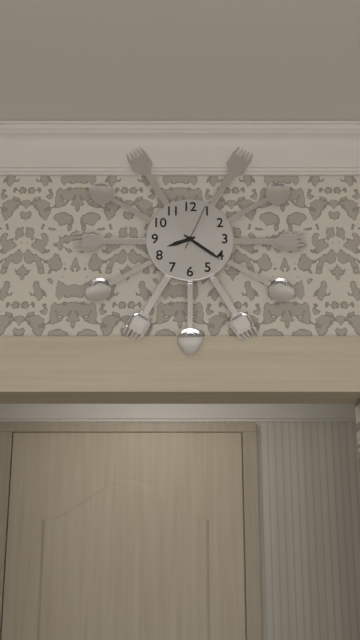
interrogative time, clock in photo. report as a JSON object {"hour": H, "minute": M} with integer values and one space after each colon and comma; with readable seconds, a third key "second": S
{"hour": 8, "minute": 21}
